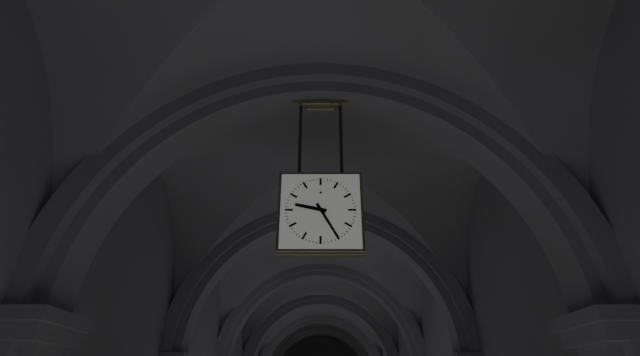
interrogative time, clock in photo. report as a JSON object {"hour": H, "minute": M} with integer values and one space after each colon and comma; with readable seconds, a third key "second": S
{"hour": 9, "minute": 25}
